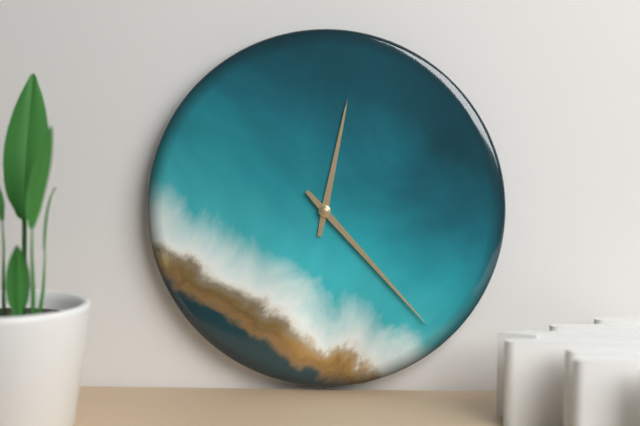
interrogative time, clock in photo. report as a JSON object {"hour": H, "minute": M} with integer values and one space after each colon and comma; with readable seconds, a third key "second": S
{"hour": 12, "minute": 23}
